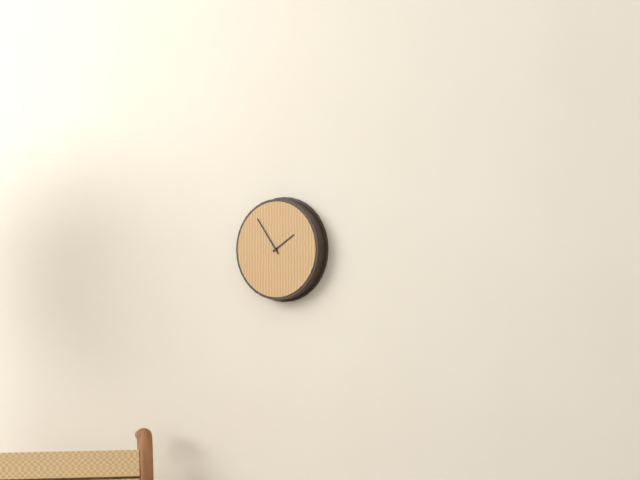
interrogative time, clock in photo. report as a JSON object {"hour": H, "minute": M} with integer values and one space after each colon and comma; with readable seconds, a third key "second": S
{"hour": 1, "minute": 54}
